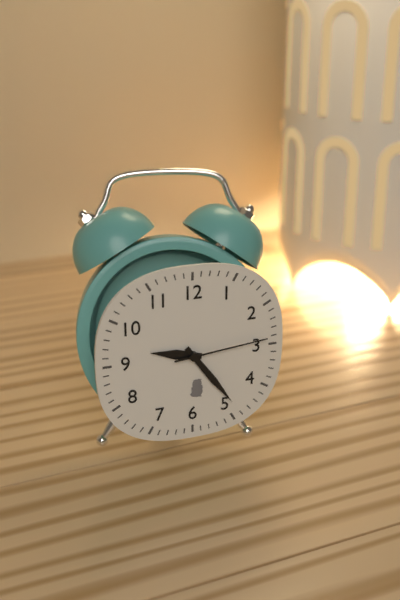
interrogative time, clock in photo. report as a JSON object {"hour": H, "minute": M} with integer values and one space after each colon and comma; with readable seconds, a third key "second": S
{"hour": 9, "minute": 24, "second": 14}
